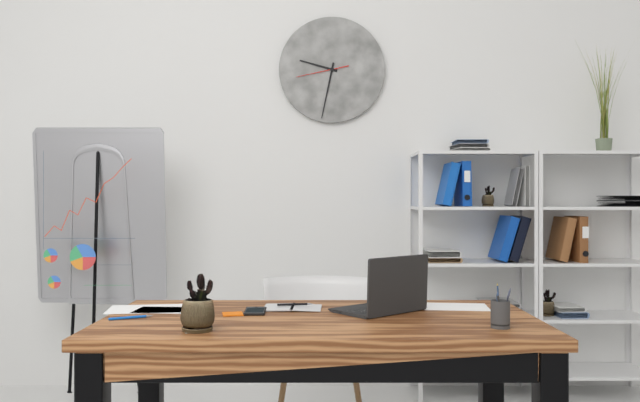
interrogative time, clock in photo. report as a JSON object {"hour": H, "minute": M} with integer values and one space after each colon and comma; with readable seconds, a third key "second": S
{"hour": 9, "minute": 32}
